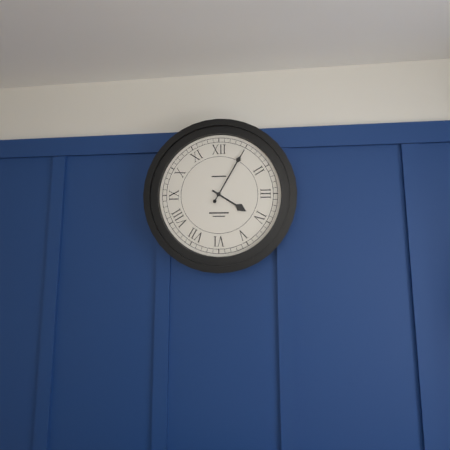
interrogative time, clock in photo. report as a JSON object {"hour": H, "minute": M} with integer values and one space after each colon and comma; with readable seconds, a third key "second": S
{"hour": 4, "minute": 5}
